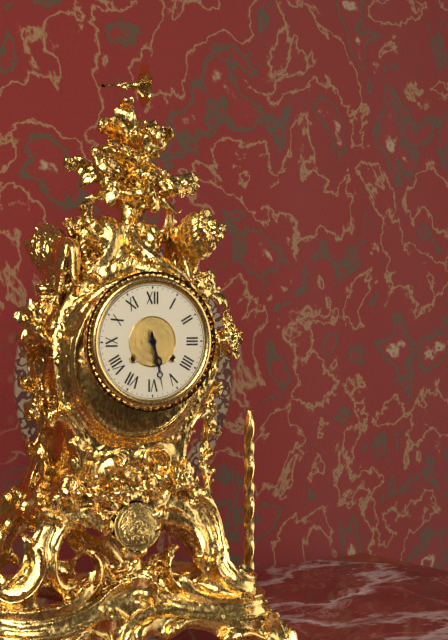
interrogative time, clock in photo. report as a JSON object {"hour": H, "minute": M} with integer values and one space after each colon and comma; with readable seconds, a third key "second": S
{"hour": 5, "minute": 28}
